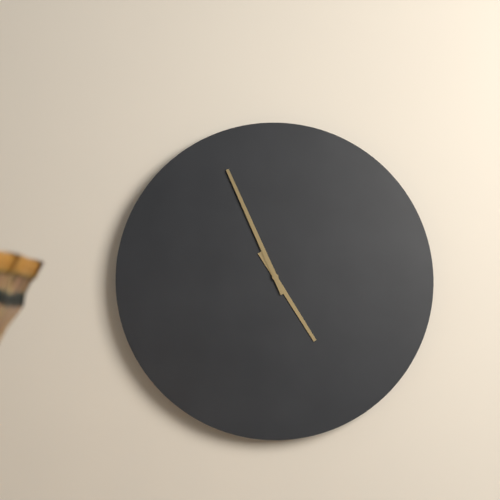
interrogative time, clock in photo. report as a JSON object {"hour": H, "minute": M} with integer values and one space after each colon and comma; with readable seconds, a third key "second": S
{"hour": 4, "minute": 56}
